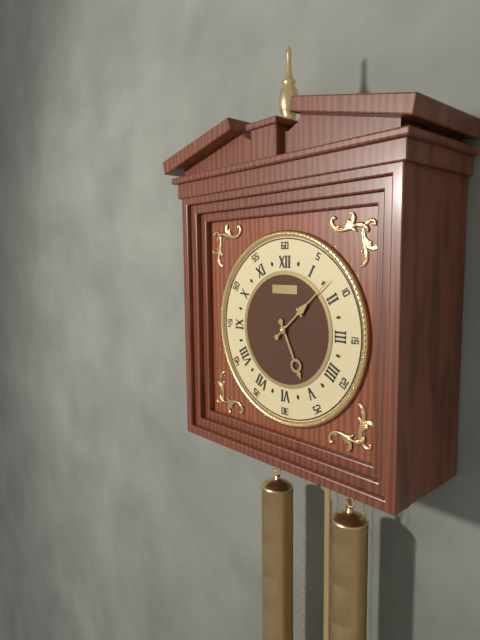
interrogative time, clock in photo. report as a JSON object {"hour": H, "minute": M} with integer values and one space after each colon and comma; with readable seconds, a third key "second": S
{"hour": 5, "minute": 8}
